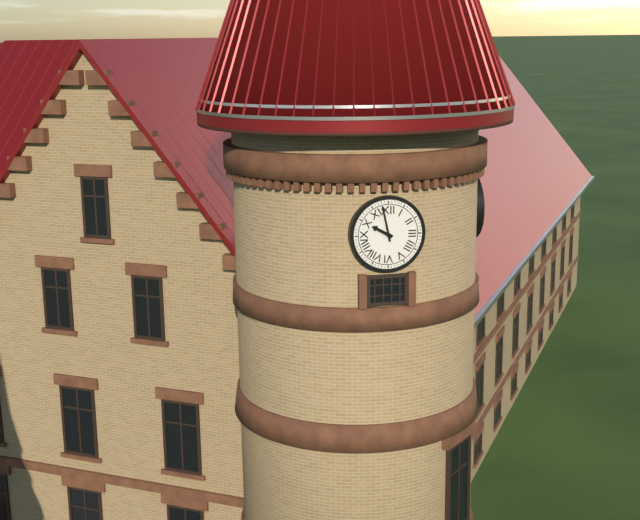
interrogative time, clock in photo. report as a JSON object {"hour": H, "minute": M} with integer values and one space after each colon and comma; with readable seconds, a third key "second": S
{"hour": 9, "minute": 58}
